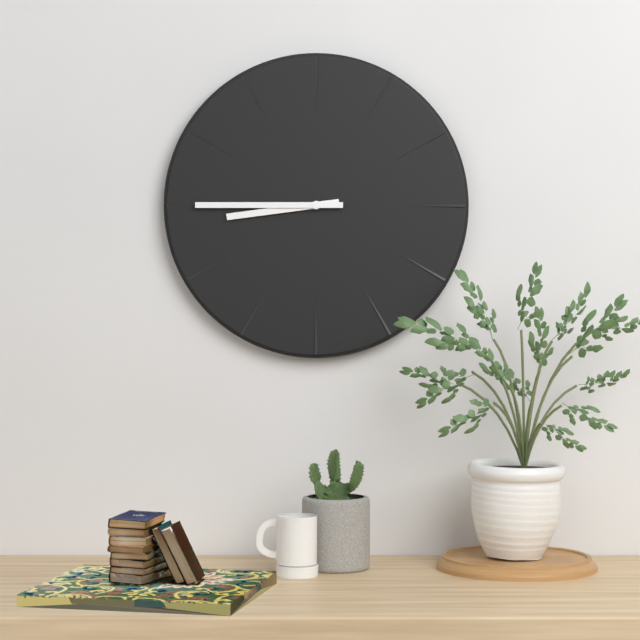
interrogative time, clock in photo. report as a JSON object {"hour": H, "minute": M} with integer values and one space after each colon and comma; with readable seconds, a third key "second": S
{"hour": 8, "minute": 45}
